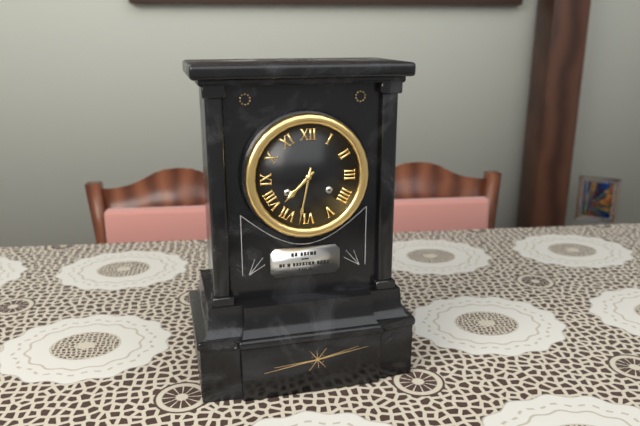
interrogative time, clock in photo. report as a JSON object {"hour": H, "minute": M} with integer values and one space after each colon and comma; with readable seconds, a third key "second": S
{"hour": 7, "minute": 32}
